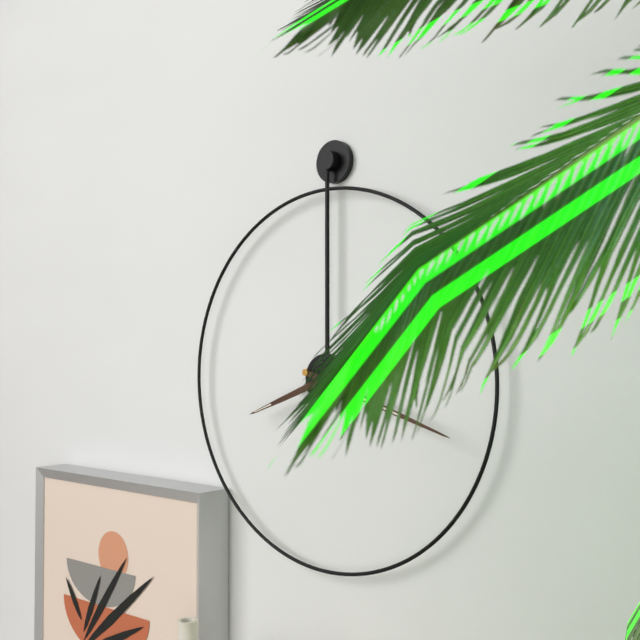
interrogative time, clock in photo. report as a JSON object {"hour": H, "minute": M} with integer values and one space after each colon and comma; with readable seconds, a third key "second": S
{"hour": 8, "minute": 18}
